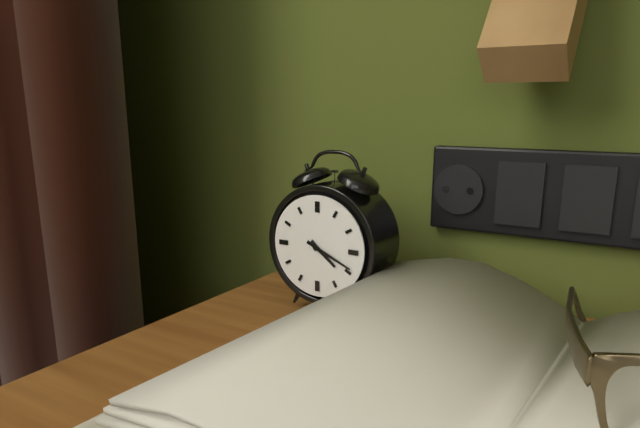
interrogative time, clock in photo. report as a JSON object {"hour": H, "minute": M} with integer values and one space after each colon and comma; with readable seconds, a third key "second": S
{"hour": 4, "minute": 19}
